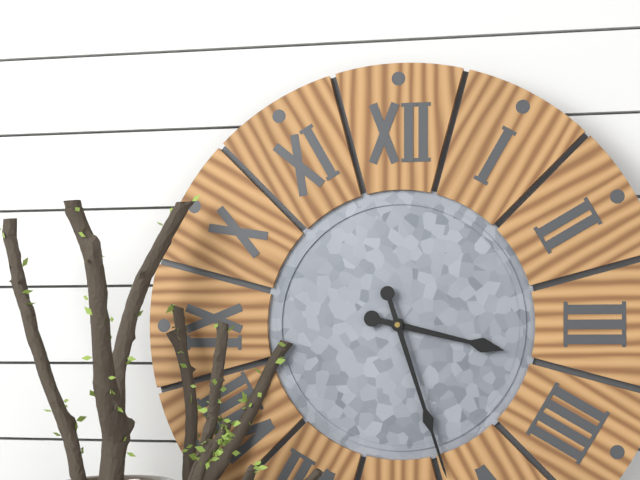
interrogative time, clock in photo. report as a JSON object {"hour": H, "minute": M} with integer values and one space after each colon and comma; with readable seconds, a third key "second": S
{"hour": 3, "minute": 27}
